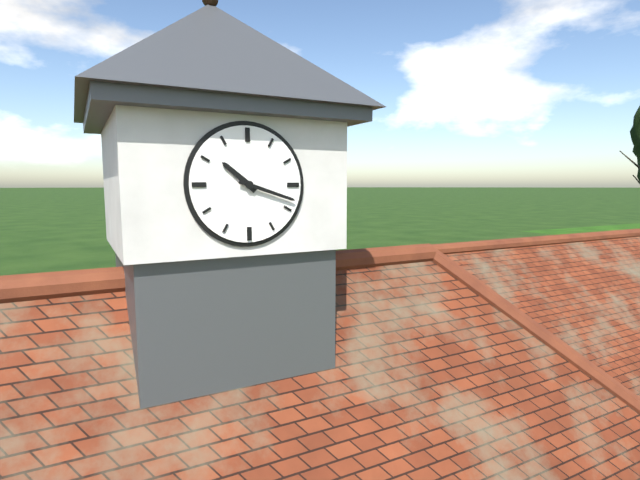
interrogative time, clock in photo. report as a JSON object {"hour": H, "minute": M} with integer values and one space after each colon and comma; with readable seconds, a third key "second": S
{"hour": 10, "minute": 18}
